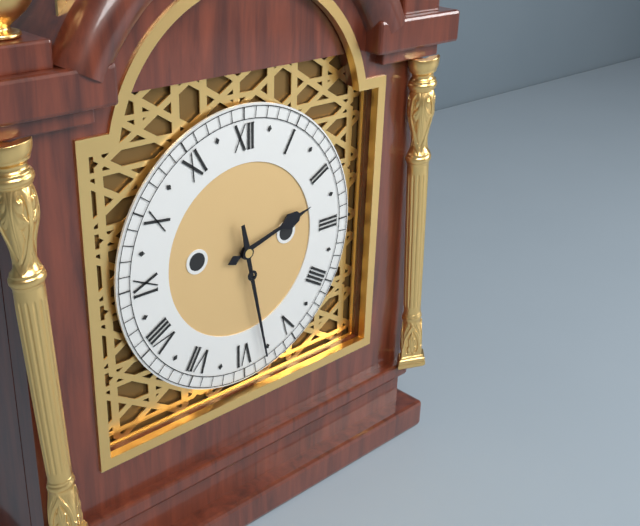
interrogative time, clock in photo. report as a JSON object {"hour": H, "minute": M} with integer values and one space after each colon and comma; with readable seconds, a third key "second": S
{"hour": 2, "minute": 28}
